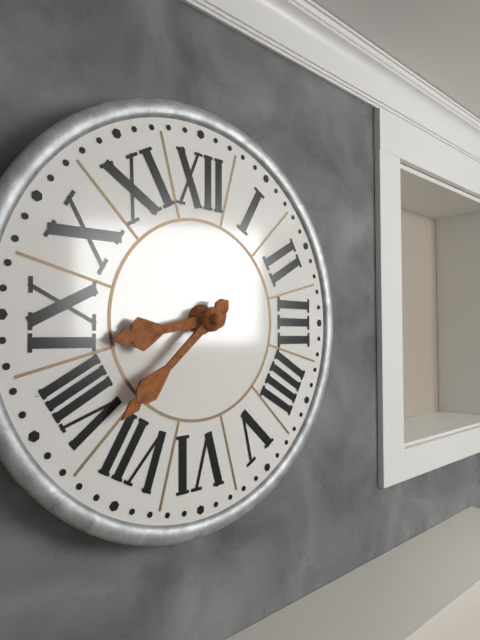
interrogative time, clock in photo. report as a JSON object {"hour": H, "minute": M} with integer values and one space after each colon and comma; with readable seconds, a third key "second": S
{"hour": 8, "minute": 38}
